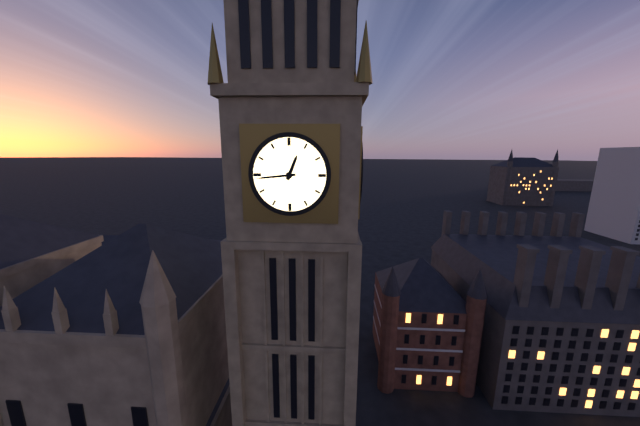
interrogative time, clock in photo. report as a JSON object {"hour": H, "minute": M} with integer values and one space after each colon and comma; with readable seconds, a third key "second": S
{"hour": 12, "minute": 44}
